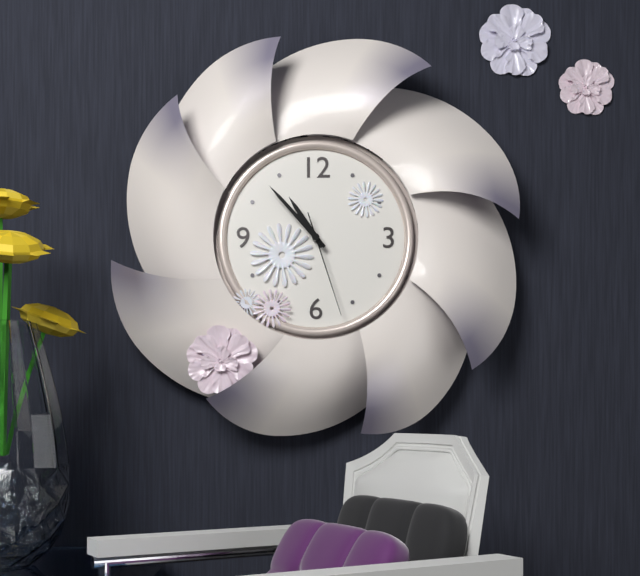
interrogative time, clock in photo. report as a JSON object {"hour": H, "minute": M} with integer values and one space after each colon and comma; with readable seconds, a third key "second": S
{"hour": 10, "minute": 53, "second": 27}
